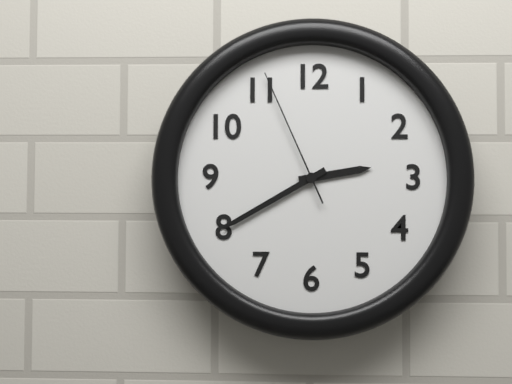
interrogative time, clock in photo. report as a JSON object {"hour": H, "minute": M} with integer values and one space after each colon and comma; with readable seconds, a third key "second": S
{"hour": 2, "minute": 40, "second": 56}
